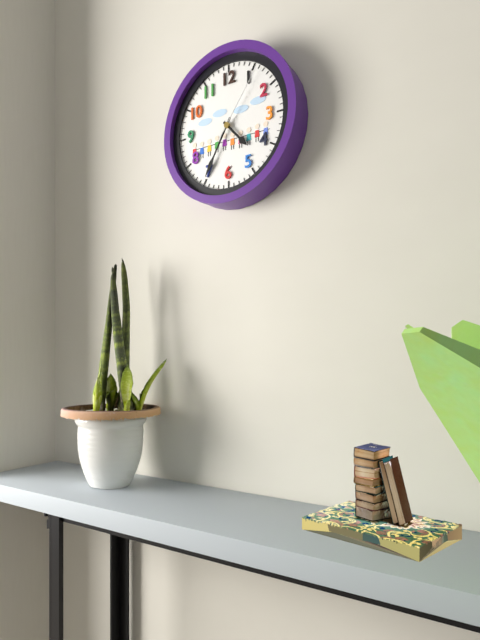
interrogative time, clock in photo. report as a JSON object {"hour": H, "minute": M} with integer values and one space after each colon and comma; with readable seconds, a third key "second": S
{"hour": 4, "minute": 35, "second": 6}
